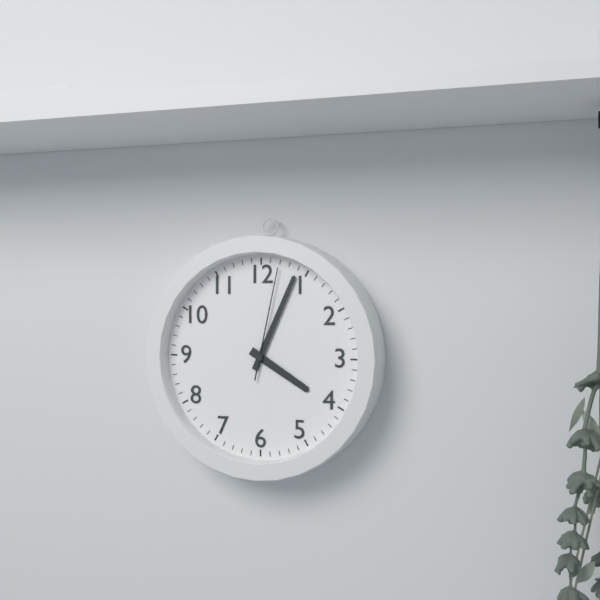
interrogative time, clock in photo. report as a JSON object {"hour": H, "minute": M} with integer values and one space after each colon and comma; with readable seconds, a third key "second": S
{"hour": 4, "minute": 4, "second": 2}
